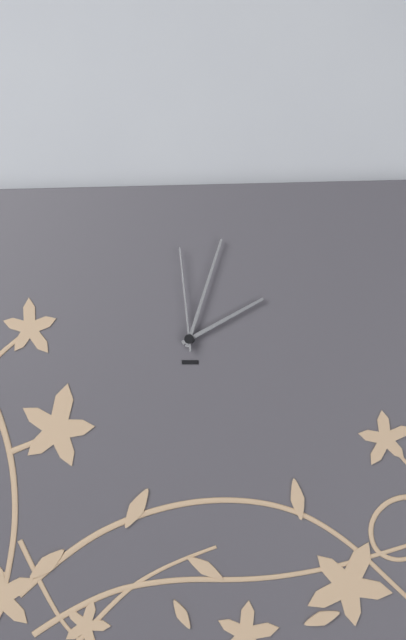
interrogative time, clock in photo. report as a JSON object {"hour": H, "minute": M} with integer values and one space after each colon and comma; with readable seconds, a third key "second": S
{"hour": 2, "minute": 3, "second": 59}
